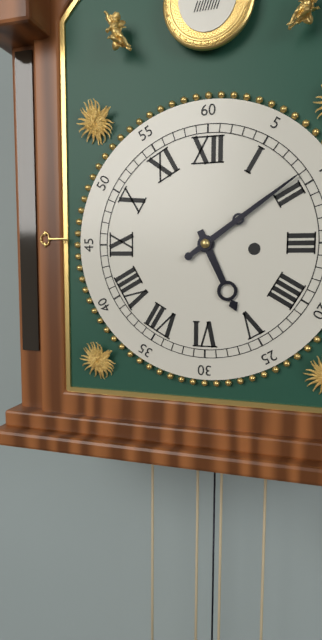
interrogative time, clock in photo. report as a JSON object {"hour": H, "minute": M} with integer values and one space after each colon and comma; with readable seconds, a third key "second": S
{"hour": 5, "minute": 9}
